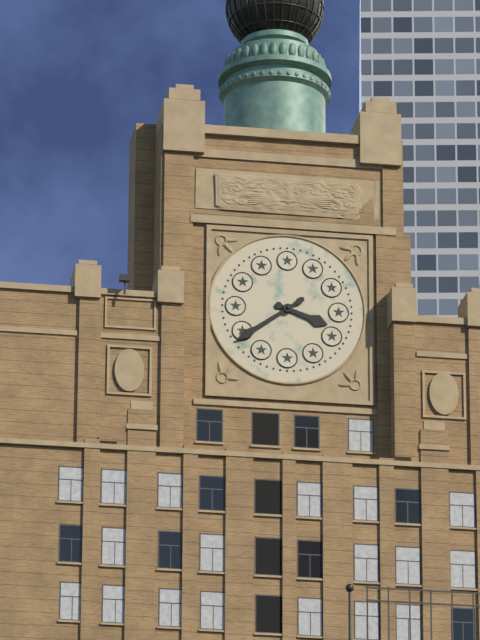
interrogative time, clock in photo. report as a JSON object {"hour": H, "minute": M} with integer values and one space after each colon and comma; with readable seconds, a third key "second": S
{"hour": 3, "minute": 39}
